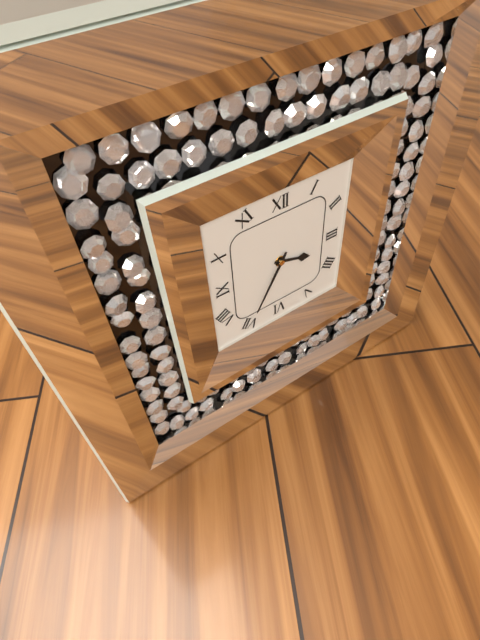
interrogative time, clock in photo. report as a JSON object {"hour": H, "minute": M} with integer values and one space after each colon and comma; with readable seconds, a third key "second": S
{"hour": 3, "minute": 35}
